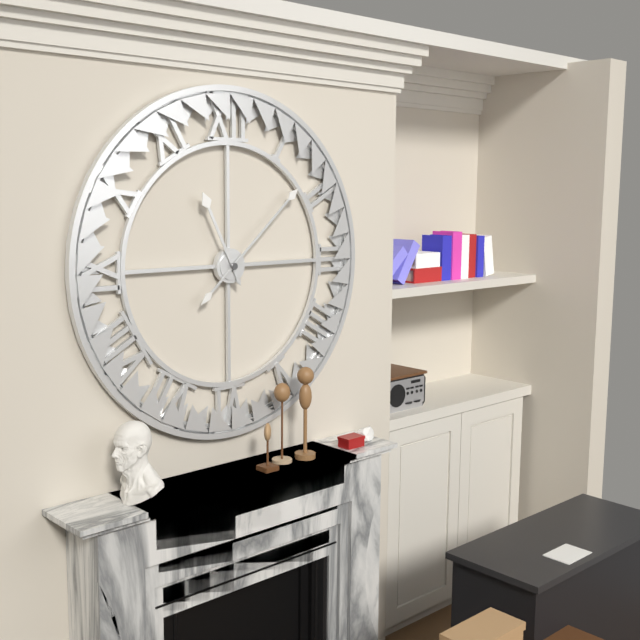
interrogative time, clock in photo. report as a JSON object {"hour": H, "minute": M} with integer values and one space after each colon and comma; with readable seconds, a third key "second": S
{"hour": 11, "minute": 8}
